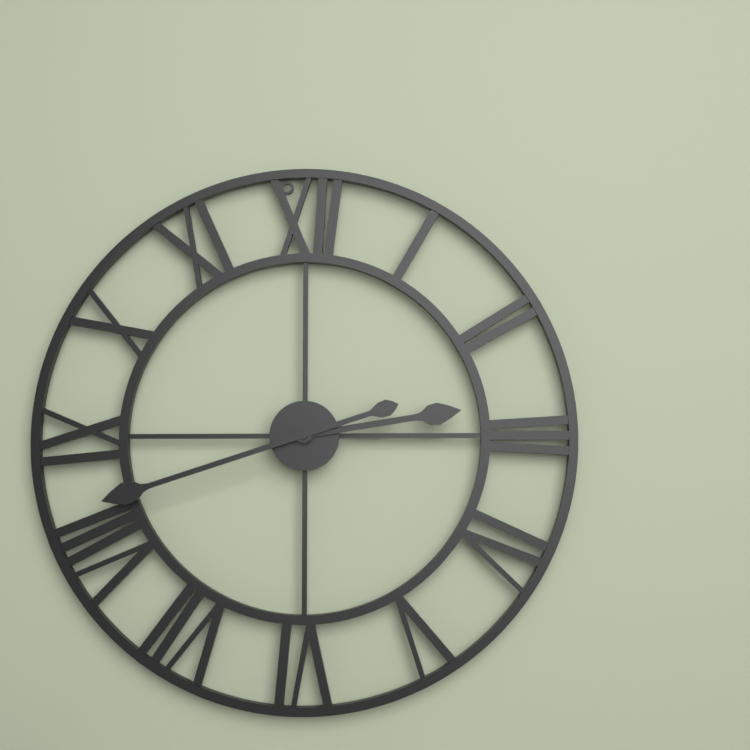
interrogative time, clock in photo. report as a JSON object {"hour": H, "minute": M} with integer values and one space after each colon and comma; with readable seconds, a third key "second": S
{"hour": 2, "minute": 42}
